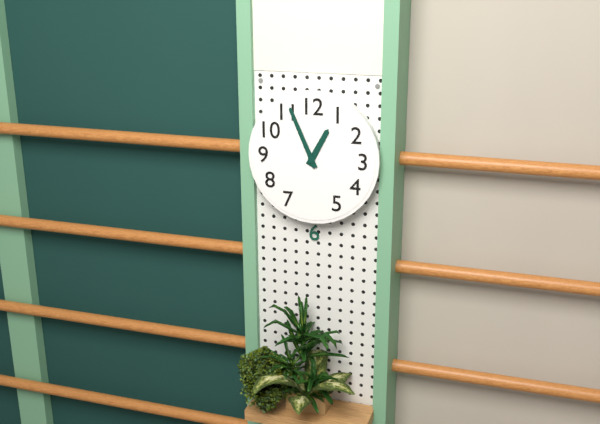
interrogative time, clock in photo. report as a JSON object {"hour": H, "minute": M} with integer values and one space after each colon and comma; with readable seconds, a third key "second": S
{"hour": 12, "minute": 56}
